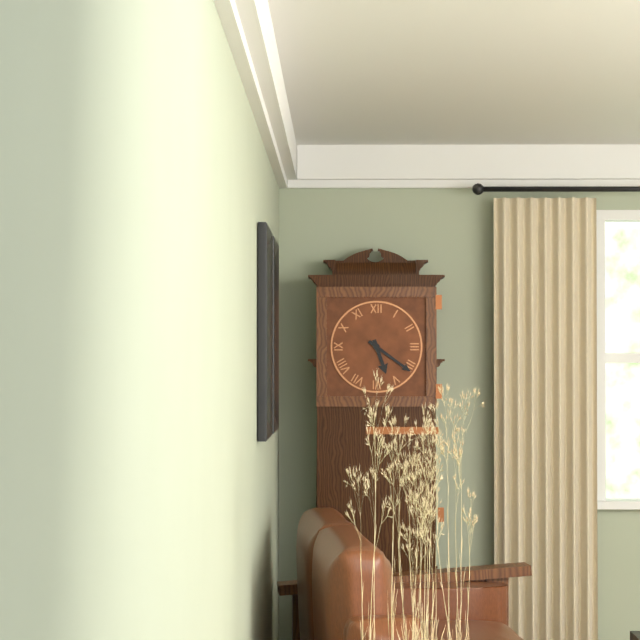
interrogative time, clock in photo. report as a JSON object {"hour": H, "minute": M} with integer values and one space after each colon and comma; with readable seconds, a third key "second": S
{"hour": 5, "minute": 21}
